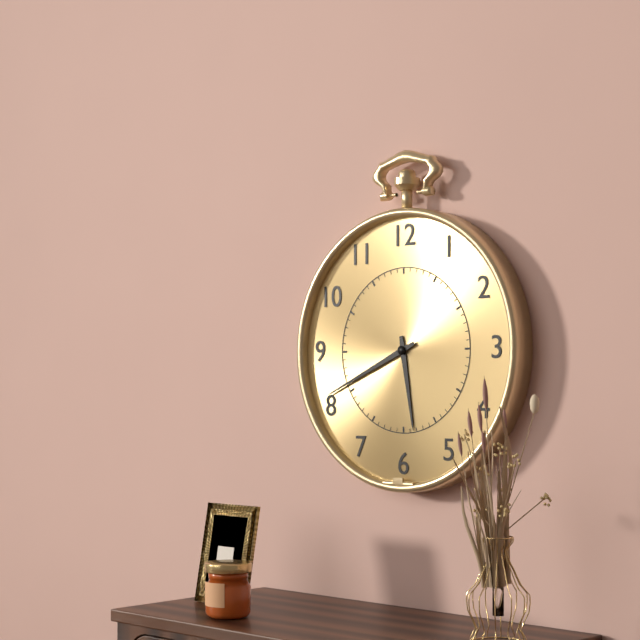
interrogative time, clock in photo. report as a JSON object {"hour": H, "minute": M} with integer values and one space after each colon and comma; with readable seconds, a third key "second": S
{"hour": 5, "minute": 41}
